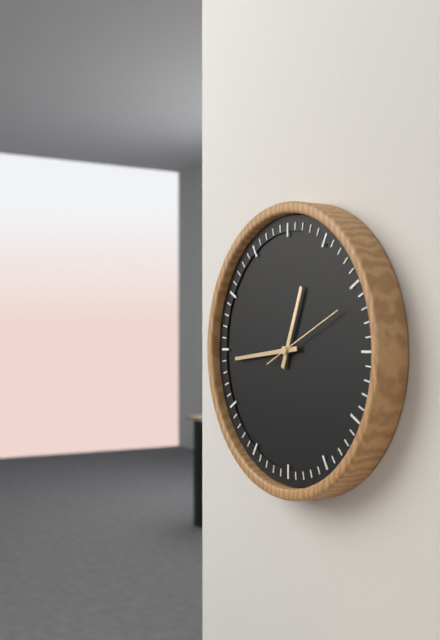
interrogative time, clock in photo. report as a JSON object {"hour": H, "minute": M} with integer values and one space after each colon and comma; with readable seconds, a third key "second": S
{"hour": 12, "minute": 44, "second": 11}
